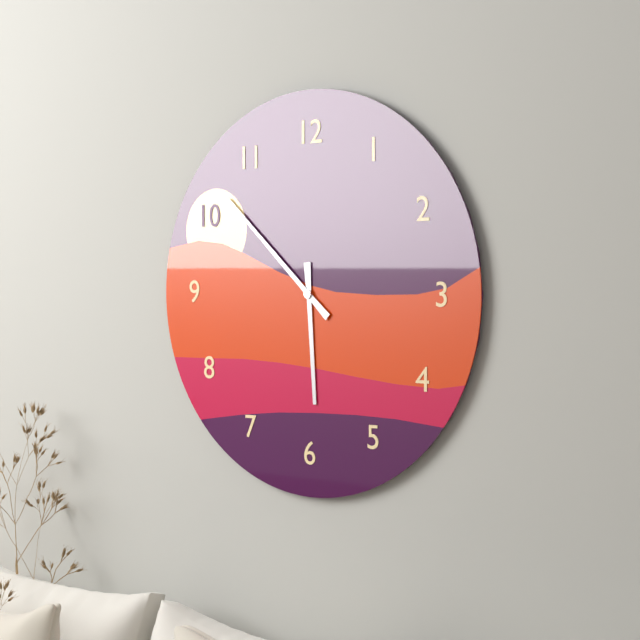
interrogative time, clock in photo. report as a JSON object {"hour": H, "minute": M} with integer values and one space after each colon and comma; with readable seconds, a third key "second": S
{"hour": 5, "minute": 52}
